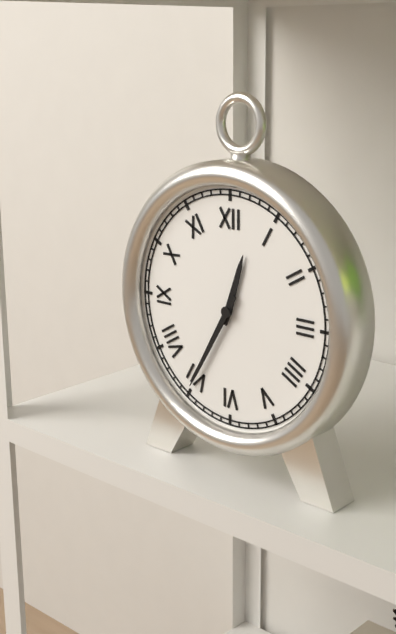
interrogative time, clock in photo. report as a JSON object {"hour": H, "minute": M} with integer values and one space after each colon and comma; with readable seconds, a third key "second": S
{"hour": 12, "minute": 35}
